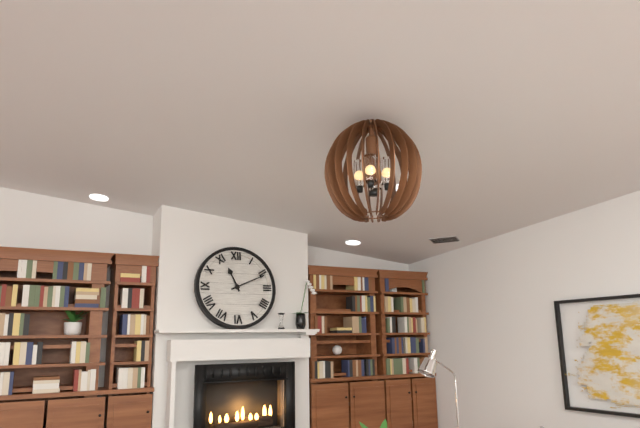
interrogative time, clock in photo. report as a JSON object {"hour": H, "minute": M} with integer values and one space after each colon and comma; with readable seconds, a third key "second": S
{"hour": 11, "minute": 11}
